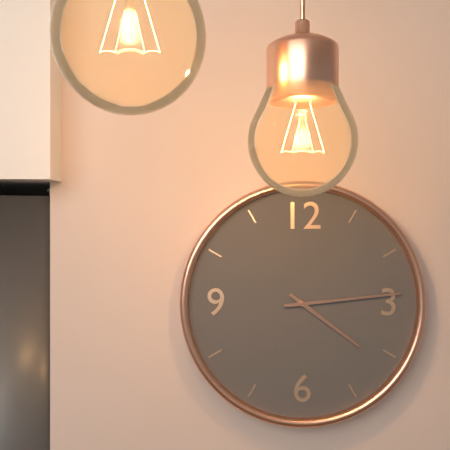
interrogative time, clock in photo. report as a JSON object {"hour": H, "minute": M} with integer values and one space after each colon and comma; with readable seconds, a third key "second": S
{"hour": 4, "minute": 14}
